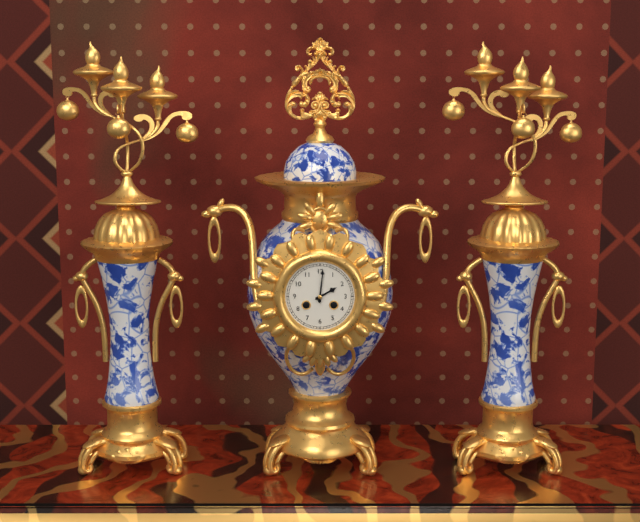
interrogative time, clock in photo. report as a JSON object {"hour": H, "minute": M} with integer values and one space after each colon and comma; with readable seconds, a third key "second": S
{"hour": 2, "minute": 1}
